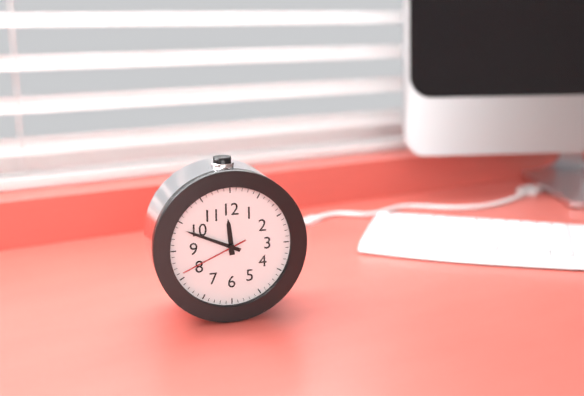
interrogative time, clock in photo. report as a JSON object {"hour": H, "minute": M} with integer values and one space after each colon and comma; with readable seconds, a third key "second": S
{"hour": 11, "minute": 49, "second": 41}
